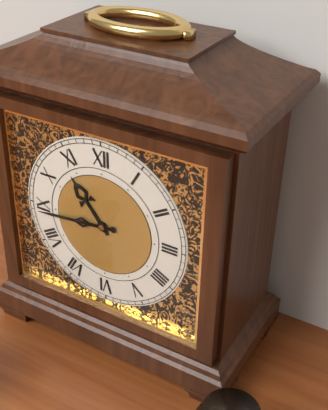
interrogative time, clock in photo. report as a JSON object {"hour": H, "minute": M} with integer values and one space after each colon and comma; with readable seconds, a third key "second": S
{"hour": 10, "minute": 44}
